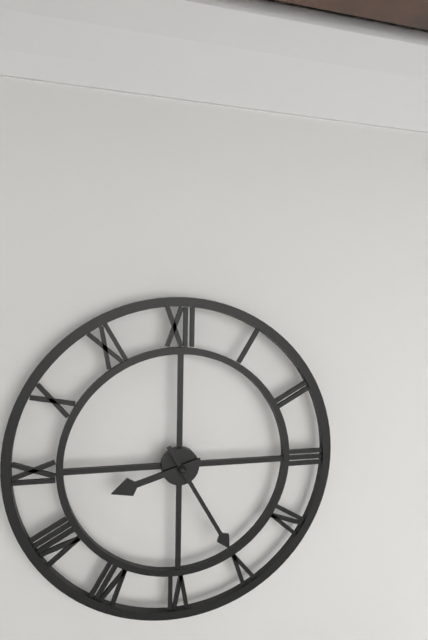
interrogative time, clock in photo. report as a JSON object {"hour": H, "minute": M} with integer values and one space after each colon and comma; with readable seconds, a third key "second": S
{"hour": 8, "minute": 25}
